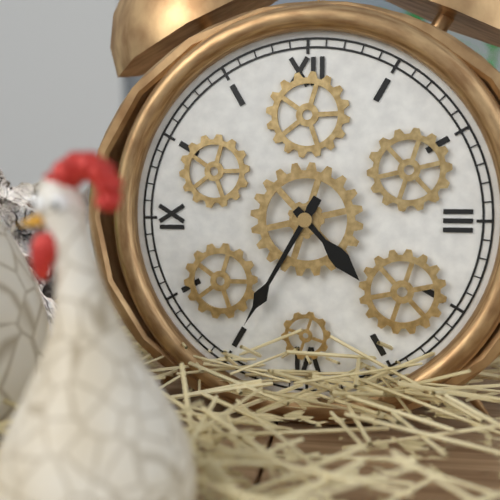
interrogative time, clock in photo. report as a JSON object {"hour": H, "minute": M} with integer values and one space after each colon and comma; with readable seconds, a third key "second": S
{"hour": 4, "minute": 35}
